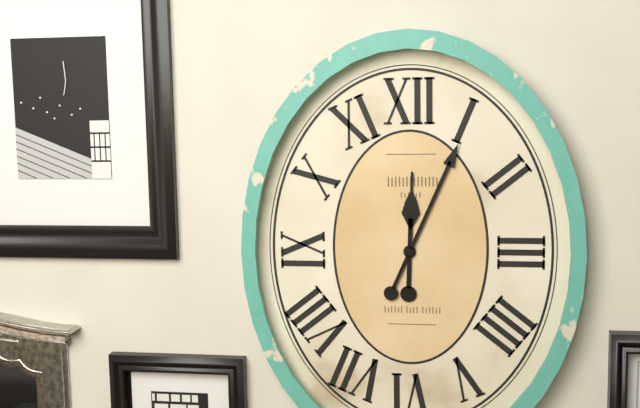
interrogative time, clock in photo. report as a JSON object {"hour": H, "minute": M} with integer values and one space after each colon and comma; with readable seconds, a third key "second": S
{"hour": 12, "minute": 4}
